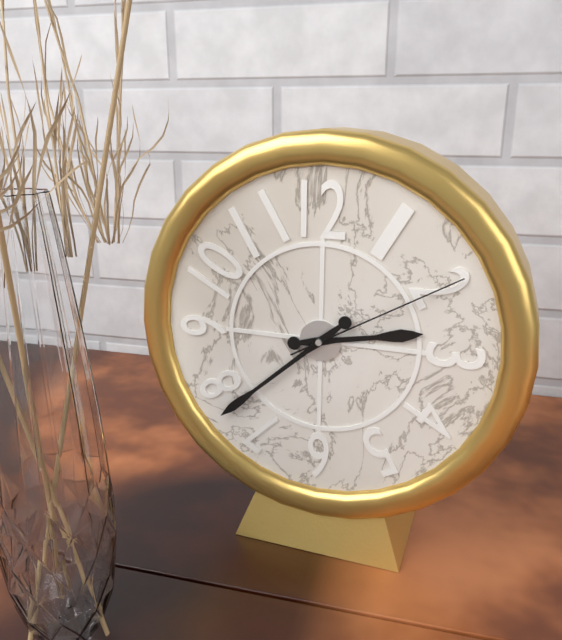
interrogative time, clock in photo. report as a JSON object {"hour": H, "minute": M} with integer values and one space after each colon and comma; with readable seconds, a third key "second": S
{"hour": 2, "minute": 38, "second": 10}
